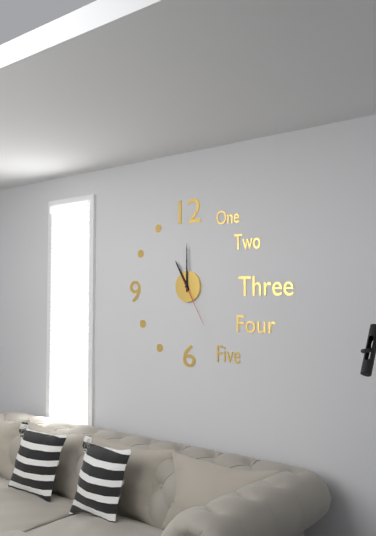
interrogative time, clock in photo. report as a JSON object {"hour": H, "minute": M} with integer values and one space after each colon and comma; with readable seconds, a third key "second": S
{"hour": 11, "minute": 0, "second": 25}
